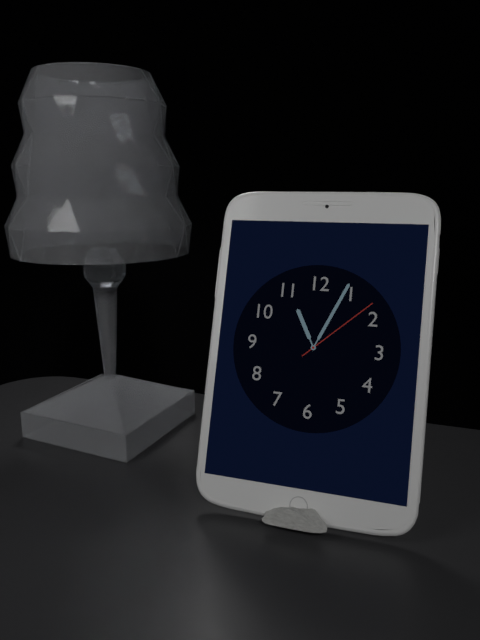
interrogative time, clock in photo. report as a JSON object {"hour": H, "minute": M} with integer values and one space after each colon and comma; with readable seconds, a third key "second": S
{"hour": 11, "minute": 4, "second": 8}
